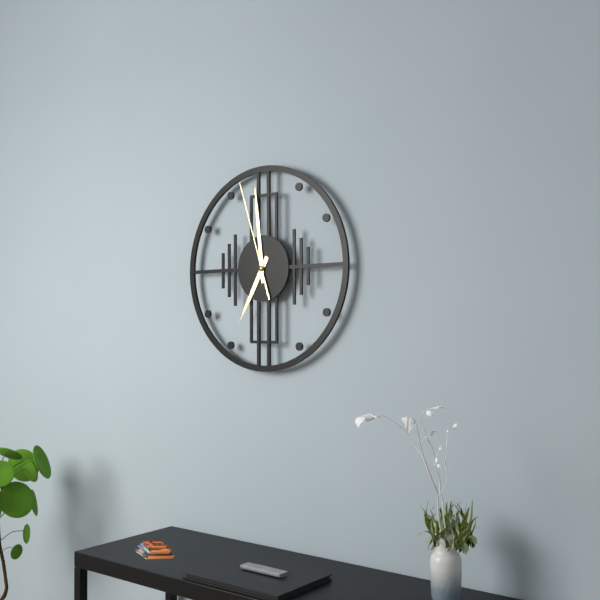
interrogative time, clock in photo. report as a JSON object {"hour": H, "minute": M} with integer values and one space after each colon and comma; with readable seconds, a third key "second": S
{"hour": 6, "minute": 59, "second": 57}
